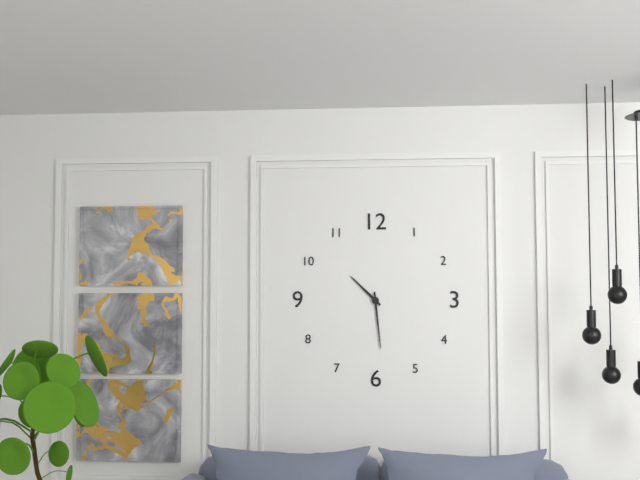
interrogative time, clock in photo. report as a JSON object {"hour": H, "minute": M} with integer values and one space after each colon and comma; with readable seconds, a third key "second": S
{"hour": 10, "minute": 29}
